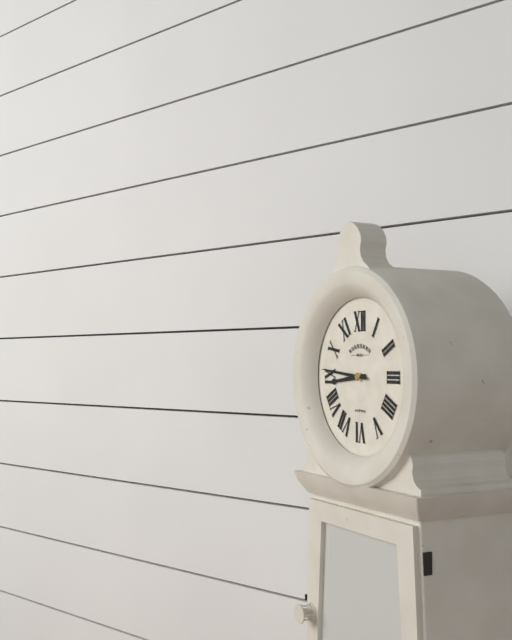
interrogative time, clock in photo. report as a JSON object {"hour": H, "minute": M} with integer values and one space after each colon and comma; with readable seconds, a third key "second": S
{"hour": 8, "minute": 46}
